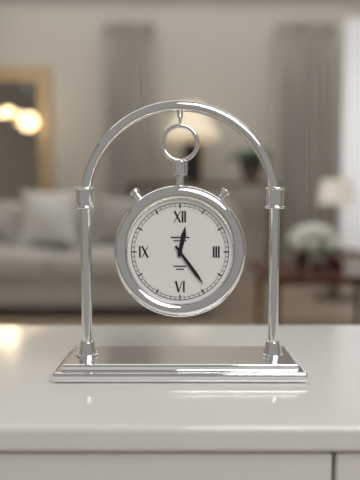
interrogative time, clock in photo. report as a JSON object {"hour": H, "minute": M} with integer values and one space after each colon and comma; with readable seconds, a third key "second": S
{"hour": 12, "minute": 24}
